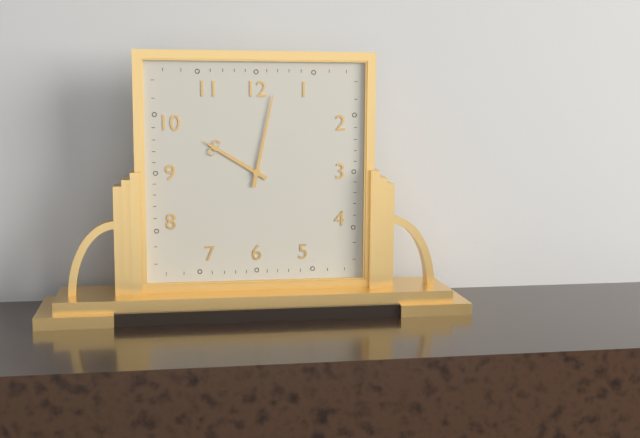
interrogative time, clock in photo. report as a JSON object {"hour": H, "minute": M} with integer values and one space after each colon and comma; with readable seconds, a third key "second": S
{"hour": 10, "minute": 2}
